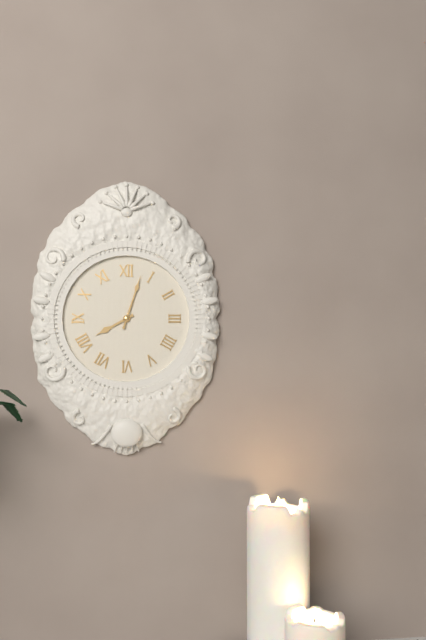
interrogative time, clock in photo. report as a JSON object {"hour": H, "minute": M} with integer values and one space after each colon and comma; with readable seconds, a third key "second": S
{"hour": 8, "minute": 3}
